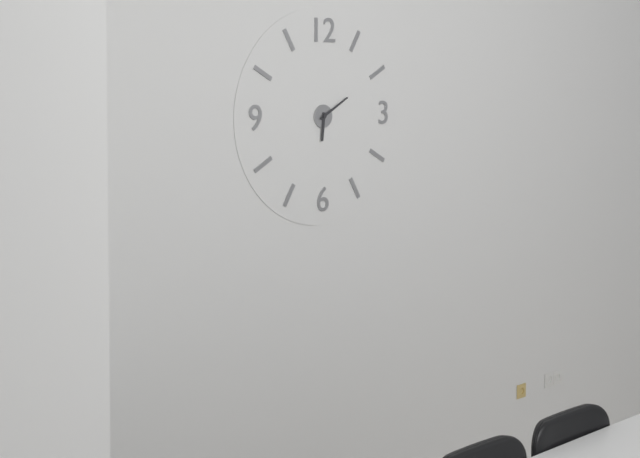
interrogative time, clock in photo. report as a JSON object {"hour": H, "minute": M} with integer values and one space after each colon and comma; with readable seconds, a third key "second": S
{"hour": 6, "minute": 10}
